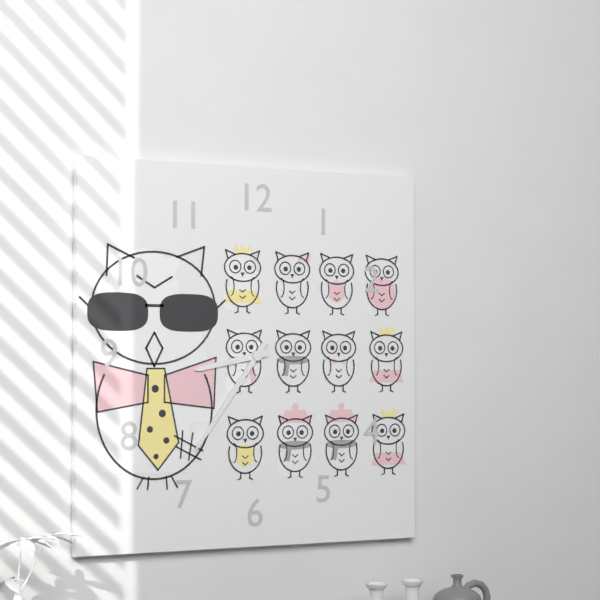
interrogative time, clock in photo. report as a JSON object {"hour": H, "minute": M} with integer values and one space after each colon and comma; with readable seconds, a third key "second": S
{"hour": 8, "minute": 36}
